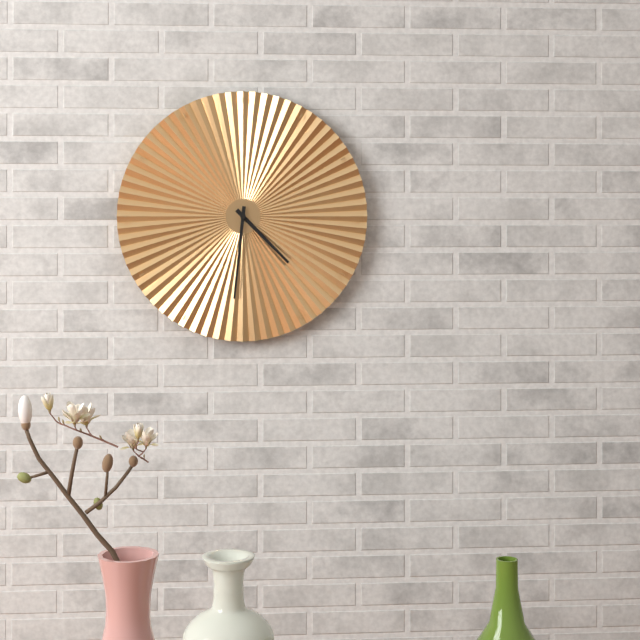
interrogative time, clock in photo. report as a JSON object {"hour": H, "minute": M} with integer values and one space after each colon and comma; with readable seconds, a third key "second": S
{"hour": 4, "minute": 31}
